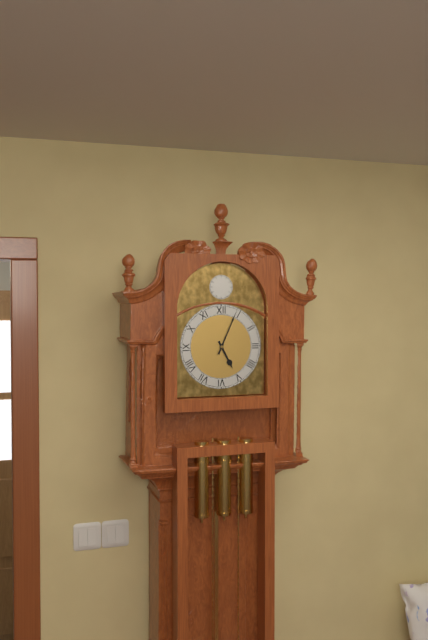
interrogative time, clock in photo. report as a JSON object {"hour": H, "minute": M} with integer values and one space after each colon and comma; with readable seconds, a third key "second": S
{"hour": 5, "minute": 4}
